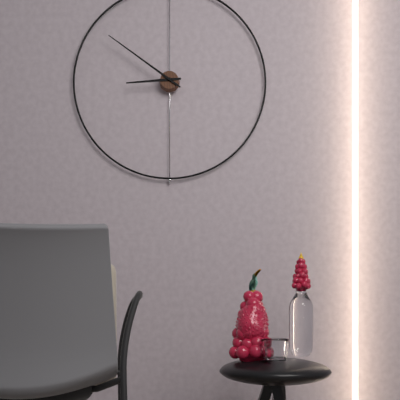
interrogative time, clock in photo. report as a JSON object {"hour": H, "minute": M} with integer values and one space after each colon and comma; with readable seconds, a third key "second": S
{"hour": 8, "minute": 51}
